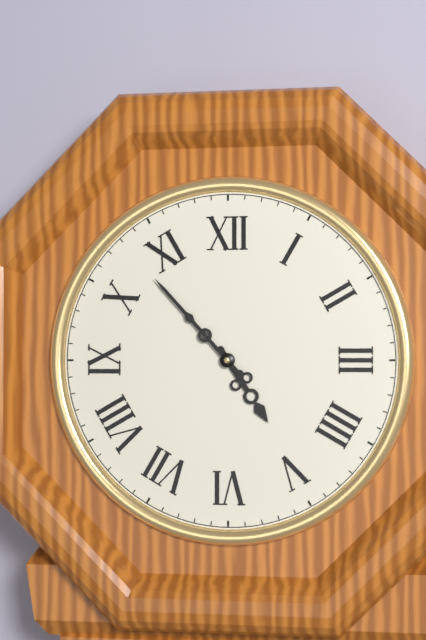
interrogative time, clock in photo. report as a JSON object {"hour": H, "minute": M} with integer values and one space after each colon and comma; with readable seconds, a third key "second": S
{"hour": 4, "minute": 53}
